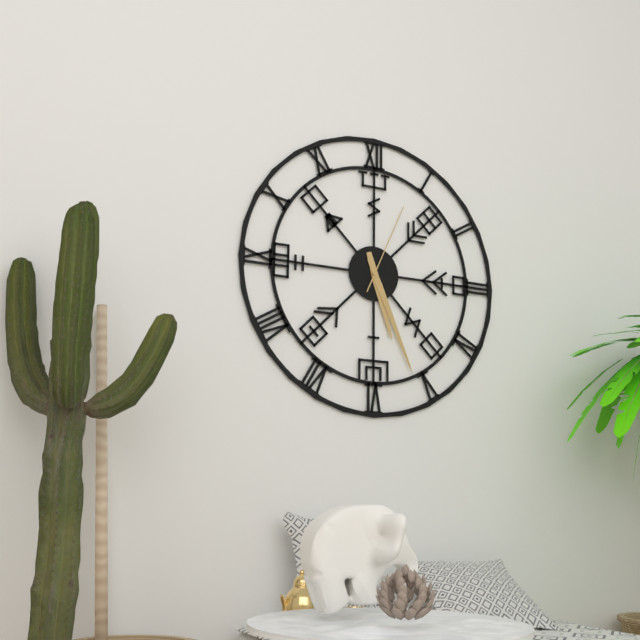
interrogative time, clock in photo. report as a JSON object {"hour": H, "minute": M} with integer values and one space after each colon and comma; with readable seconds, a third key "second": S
{"hour": 5, "minute": 26, "second": 4}
